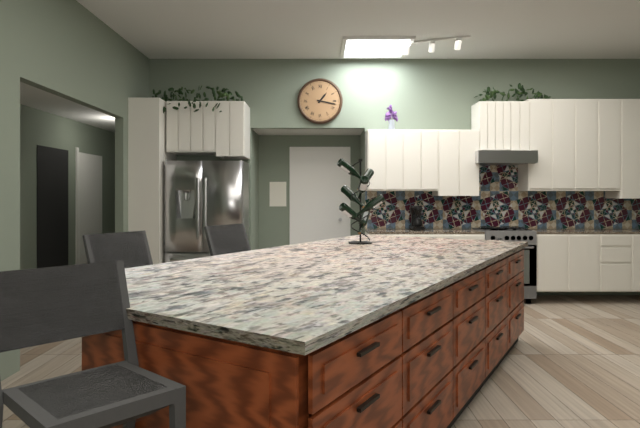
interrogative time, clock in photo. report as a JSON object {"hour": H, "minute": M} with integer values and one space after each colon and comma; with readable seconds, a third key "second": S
{"hour": 1, "minute": 17}
